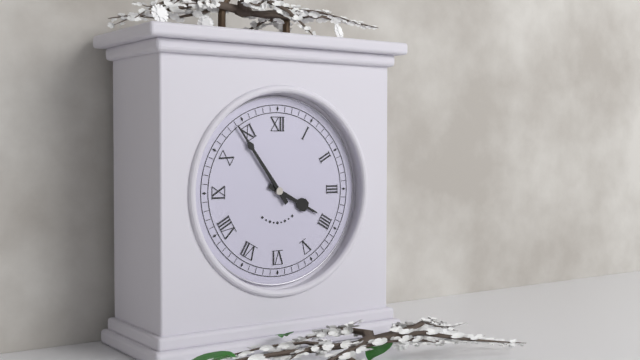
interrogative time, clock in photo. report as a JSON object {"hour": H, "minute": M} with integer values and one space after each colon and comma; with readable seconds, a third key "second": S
{"hour": 3, "minute": 54}
